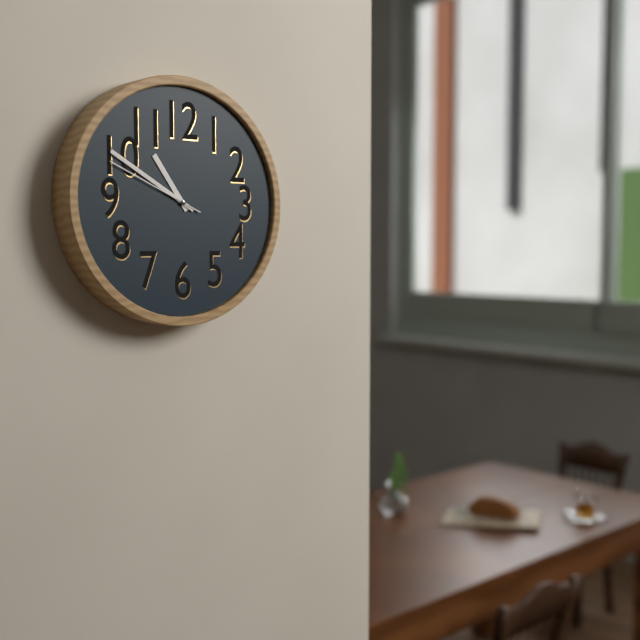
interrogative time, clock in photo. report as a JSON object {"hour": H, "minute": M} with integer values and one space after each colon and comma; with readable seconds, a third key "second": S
{"hour": 10, "minute": 50, "second": 49}
